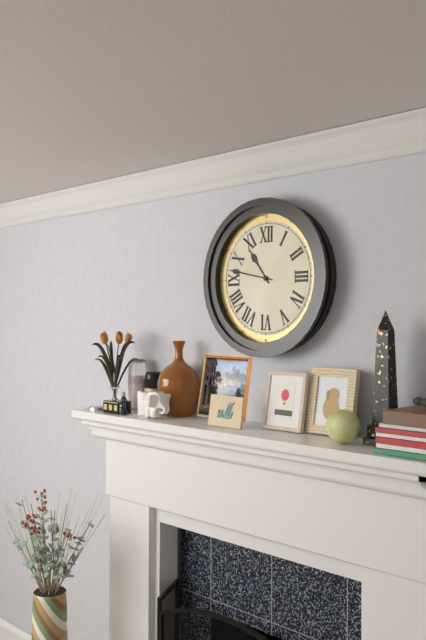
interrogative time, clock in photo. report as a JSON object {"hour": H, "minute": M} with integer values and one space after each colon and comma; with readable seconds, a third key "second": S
{"hour": 10, "minute": 47}
